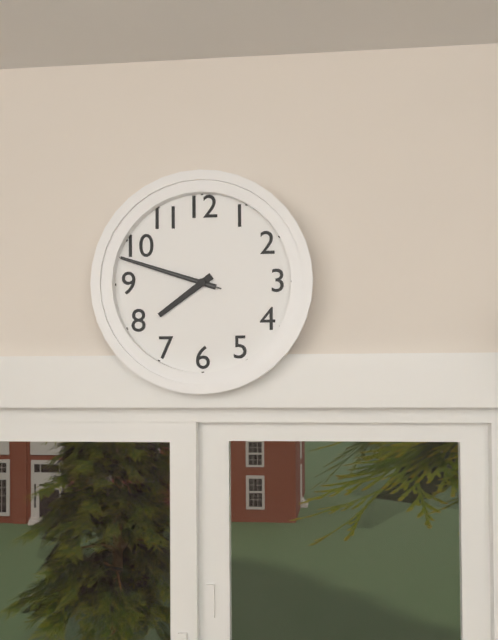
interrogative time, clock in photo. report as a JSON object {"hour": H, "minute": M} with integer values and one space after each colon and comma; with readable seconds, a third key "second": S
{"hour": 7, "minute": 48, "second": 48}
